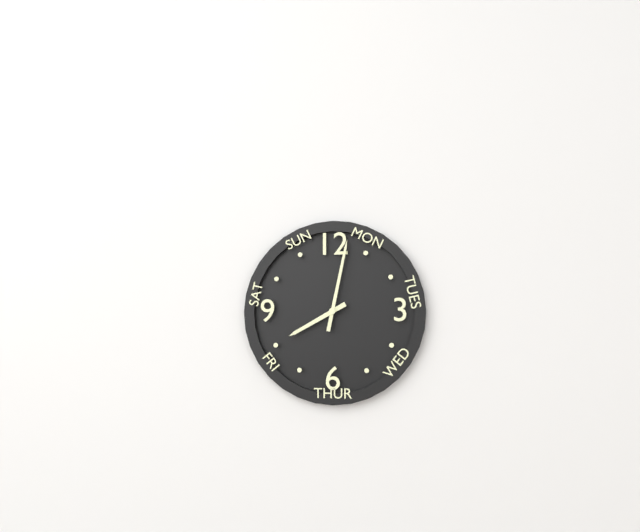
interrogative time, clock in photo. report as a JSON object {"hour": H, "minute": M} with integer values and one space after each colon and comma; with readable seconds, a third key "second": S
{"hour": 8, "minute": 2}
